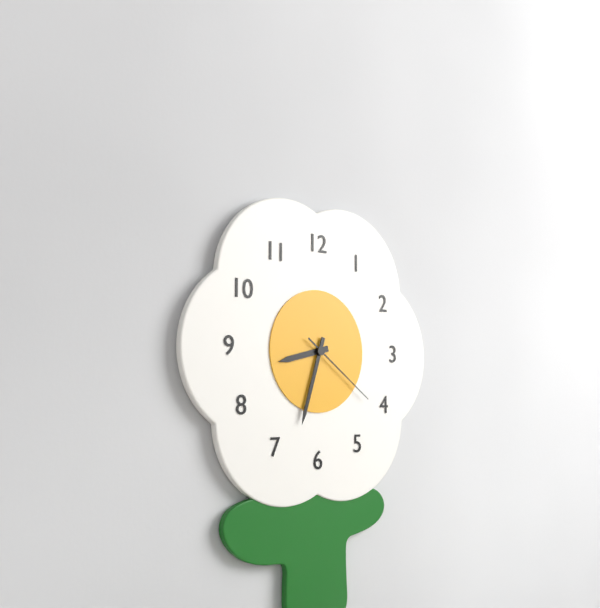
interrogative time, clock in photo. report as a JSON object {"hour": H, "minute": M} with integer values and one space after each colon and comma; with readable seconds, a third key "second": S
{"hour": 8, "minute": 33, "second": 21}
